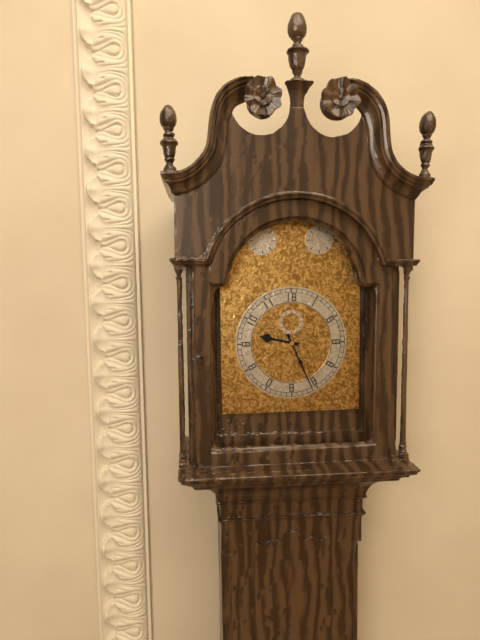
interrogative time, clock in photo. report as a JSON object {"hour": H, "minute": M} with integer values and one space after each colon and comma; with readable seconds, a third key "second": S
{"hour": 9, "minute": 26}
